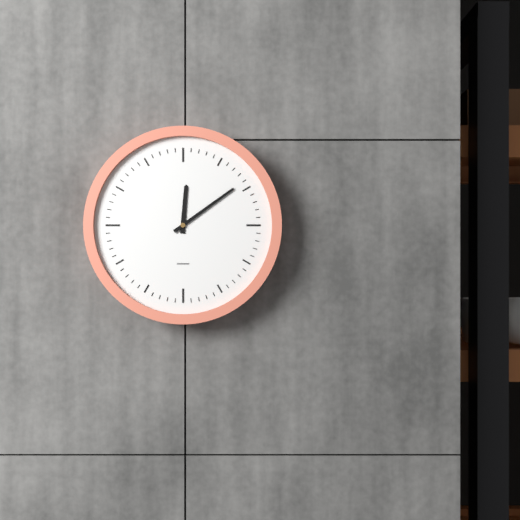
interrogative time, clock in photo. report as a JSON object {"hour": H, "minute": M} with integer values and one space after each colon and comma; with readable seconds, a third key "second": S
{"hour": 12, "minute": 9}
